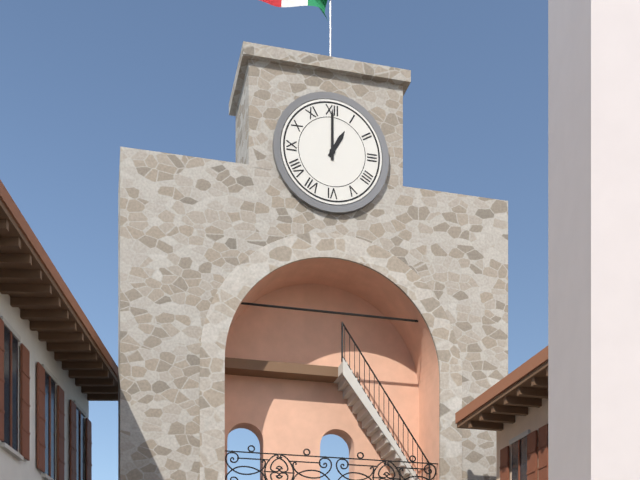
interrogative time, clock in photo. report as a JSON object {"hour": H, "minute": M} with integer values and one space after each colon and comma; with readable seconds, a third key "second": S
{"hour": 1, "minute": 0}
